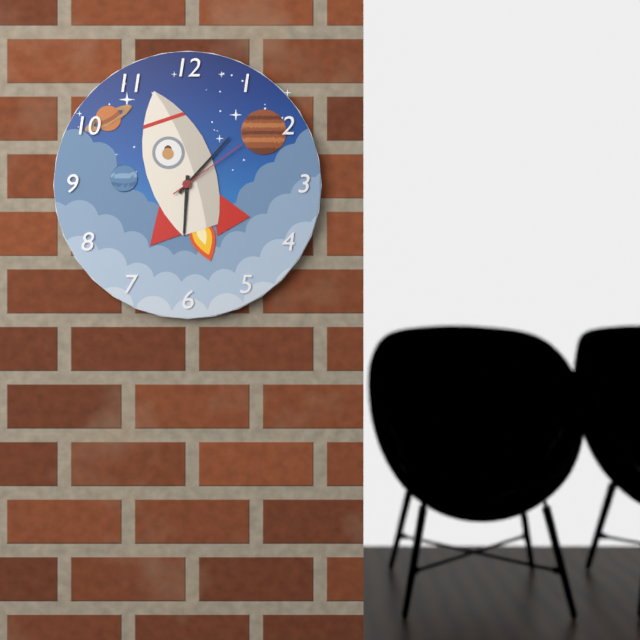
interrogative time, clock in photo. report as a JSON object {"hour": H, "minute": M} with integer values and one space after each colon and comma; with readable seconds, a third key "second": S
{"hour": 6, "minute": 7, "second": 9}
